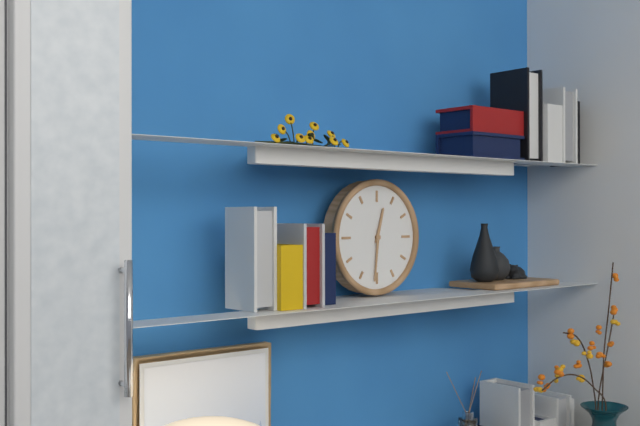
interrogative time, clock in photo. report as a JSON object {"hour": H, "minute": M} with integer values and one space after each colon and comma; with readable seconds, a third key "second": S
{"hour": 12, "minute": 31}
